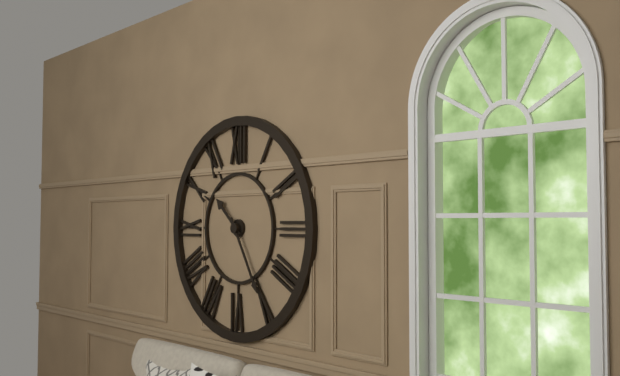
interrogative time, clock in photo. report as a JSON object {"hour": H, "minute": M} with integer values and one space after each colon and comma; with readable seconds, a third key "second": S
{"hour": 10, "minute": 25}
